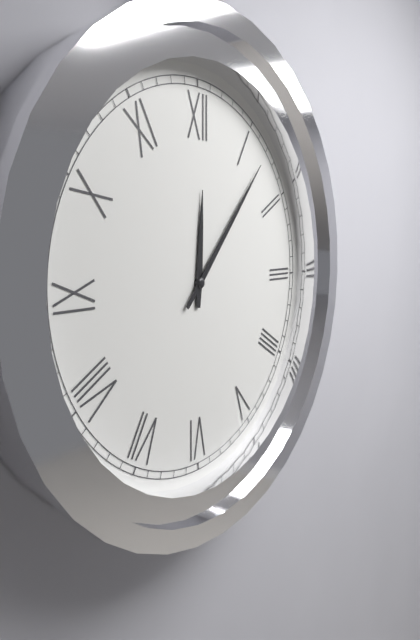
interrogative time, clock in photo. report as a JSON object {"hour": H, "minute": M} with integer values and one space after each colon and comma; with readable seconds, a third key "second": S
{"hour": 12, "minute": 7}
